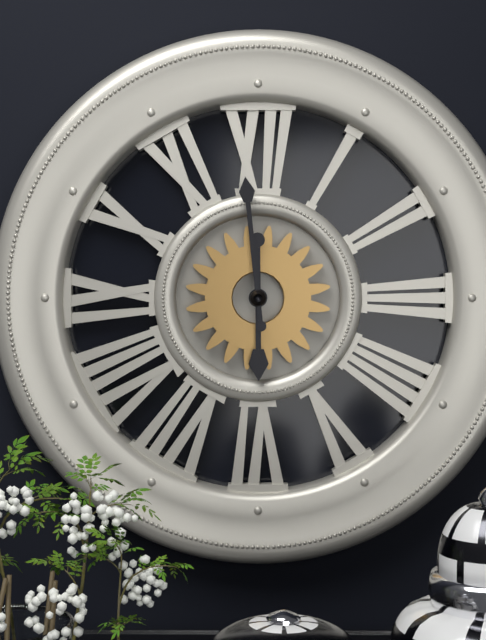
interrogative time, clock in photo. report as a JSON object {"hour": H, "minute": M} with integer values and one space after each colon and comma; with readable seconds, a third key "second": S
{"hour": 5, "minute": 59}
